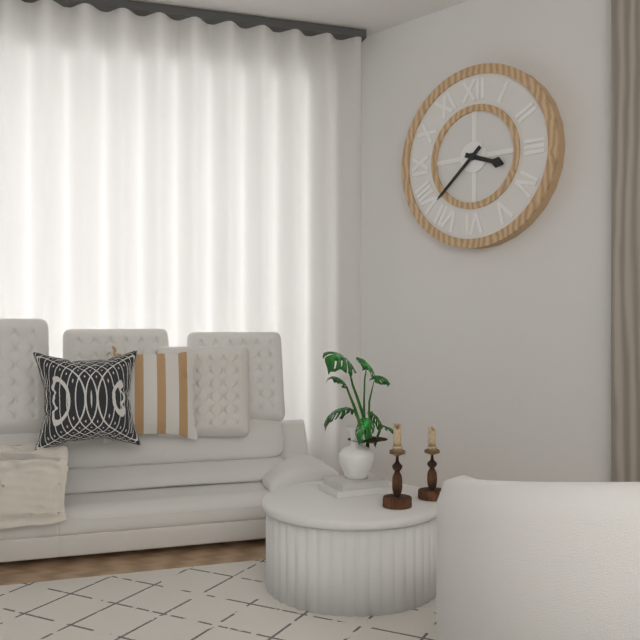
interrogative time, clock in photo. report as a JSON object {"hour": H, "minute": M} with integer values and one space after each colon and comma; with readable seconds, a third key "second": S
{"hour": 3, "minute": 38}
